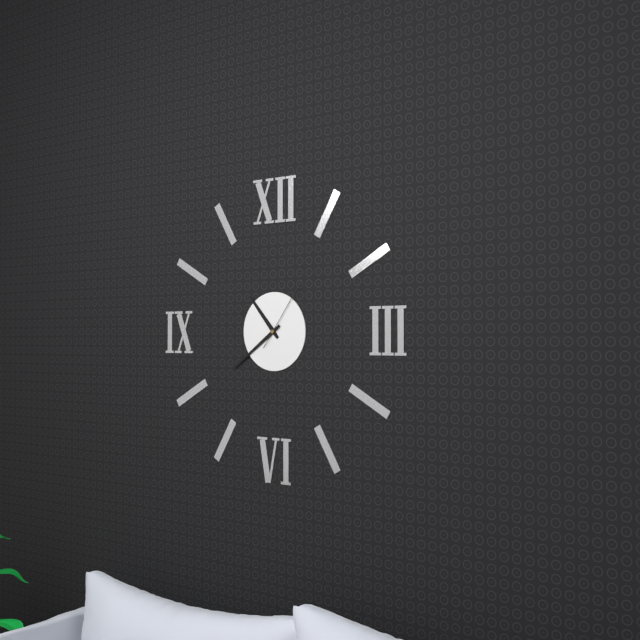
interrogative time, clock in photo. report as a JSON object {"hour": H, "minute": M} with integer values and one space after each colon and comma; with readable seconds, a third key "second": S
{"hour": 10, "minute": 39, "second": 6}
